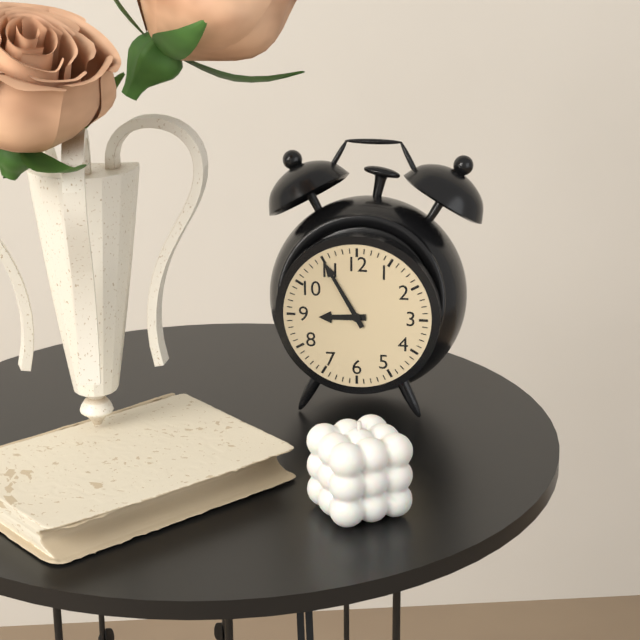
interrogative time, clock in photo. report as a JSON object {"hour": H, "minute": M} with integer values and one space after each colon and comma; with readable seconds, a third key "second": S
{"hour": 8, "minute": 55}
